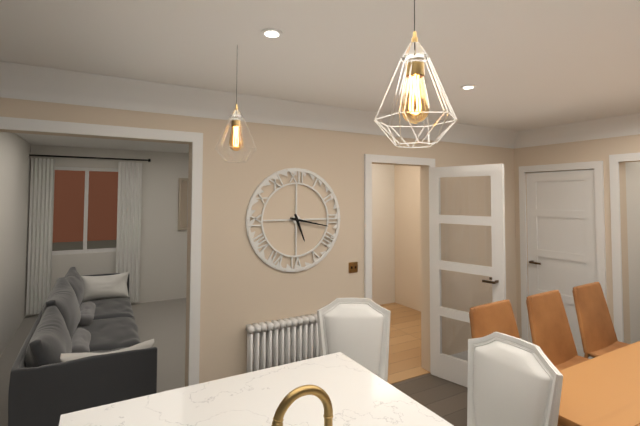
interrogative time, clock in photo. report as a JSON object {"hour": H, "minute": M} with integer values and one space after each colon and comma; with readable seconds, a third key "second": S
{"hour": 5, "minute": 17}
